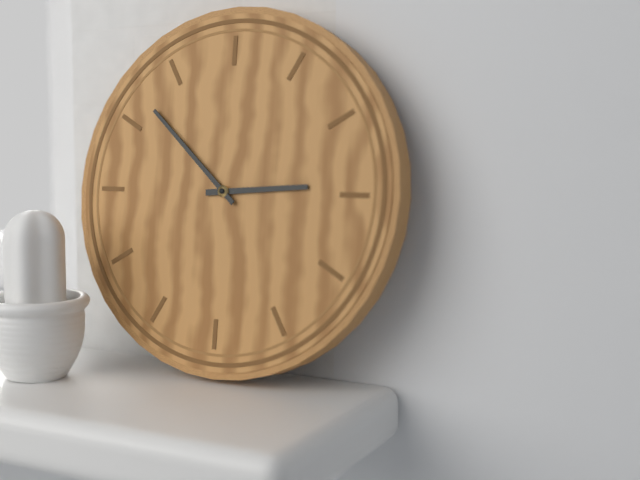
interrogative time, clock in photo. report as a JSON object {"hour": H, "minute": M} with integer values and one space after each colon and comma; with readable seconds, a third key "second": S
{"hour": 2, "minute": 52}
